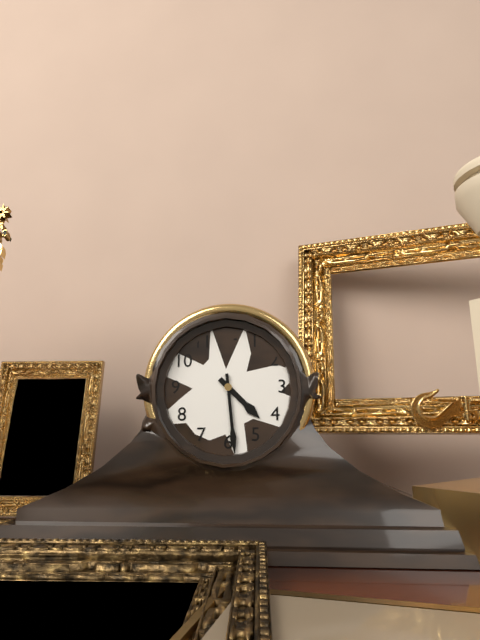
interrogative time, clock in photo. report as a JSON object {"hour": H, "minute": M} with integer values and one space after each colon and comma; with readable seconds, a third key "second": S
{"hour": 4, "minute": 29}
